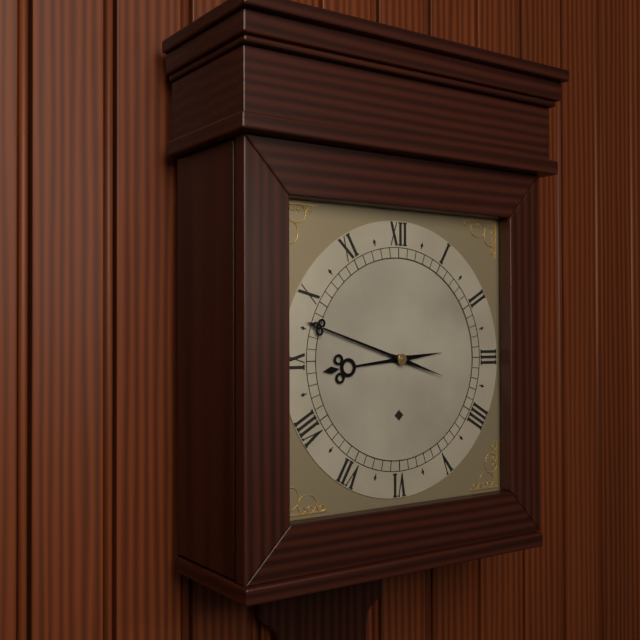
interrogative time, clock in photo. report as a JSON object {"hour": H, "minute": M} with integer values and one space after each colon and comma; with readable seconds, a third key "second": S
{"hour": 8, "minute": 48}
